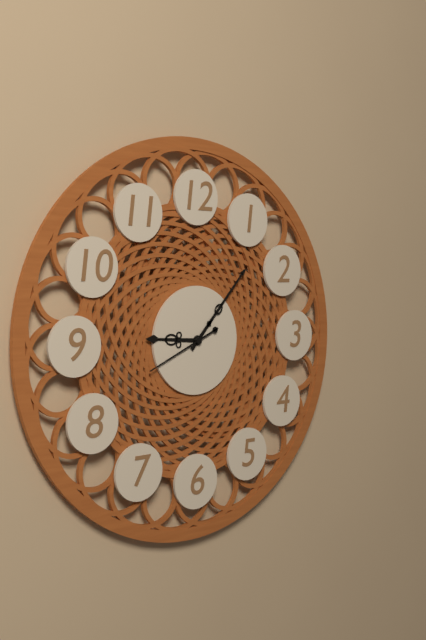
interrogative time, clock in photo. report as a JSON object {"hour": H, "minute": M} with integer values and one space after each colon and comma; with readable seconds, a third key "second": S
{"hour": 9, "minute": 7, "second": 41}
